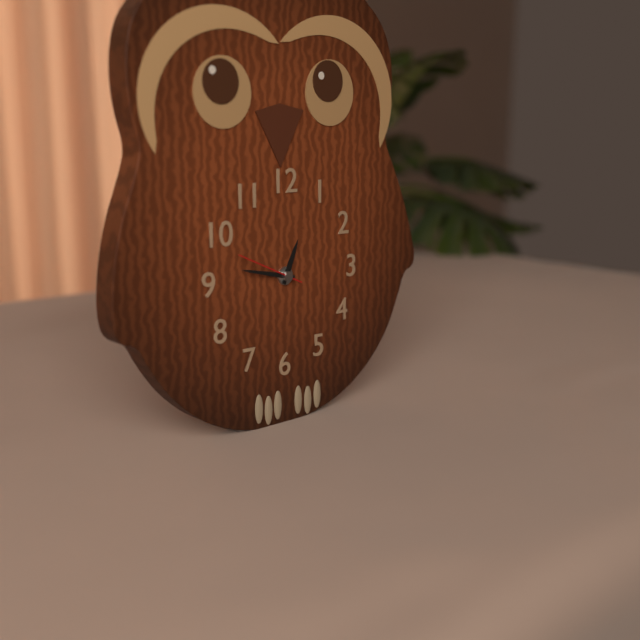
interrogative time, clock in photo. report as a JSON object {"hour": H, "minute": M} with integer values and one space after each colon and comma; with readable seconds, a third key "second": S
{"hour": 12, "minute": 47, "second": 49}
